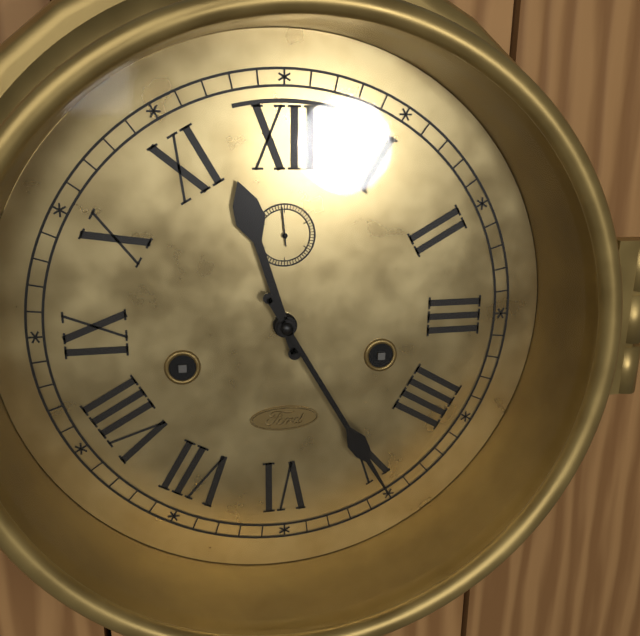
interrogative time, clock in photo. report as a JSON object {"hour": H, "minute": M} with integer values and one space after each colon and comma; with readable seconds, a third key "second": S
{"hour": 11, "minute": 25}
